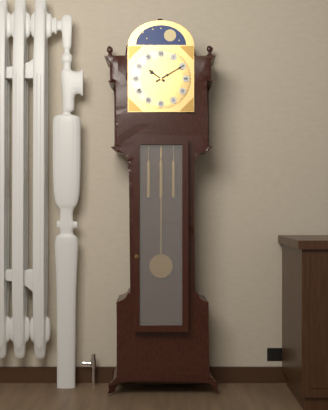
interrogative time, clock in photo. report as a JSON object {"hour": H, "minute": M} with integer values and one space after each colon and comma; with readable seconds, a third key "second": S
{"hour": 10, "minute": 10}
